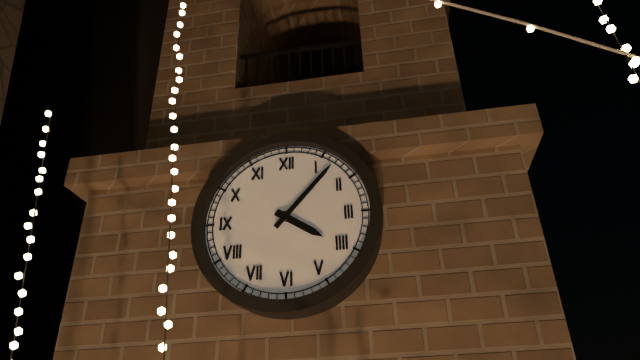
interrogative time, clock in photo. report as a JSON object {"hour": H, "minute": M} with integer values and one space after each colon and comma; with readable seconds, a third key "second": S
{"hour": 4, "minute": 7}
